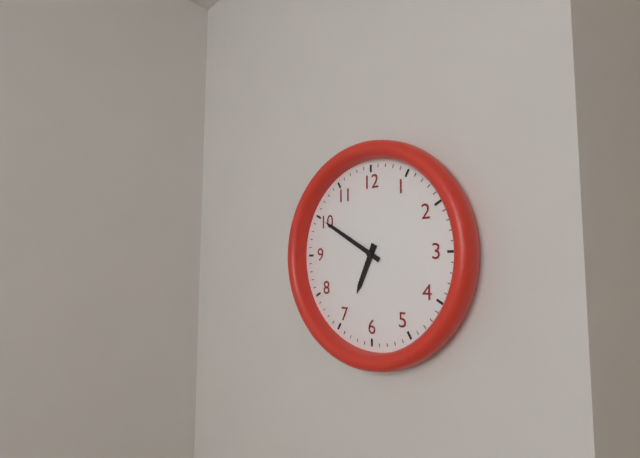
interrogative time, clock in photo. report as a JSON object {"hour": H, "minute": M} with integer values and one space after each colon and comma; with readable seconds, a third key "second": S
{"hour": 6, "minute": 50}
